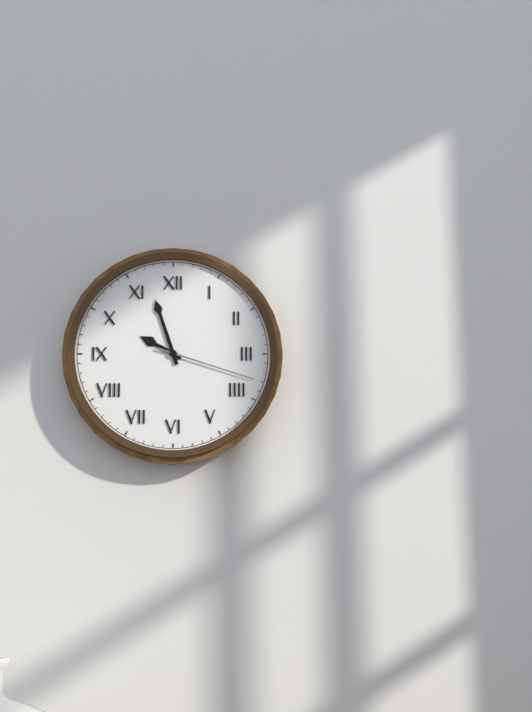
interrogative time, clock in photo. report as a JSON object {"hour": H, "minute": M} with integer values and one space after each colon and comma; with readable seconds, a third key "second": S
{"hour": 9, "minute": 57, "second": 18}
